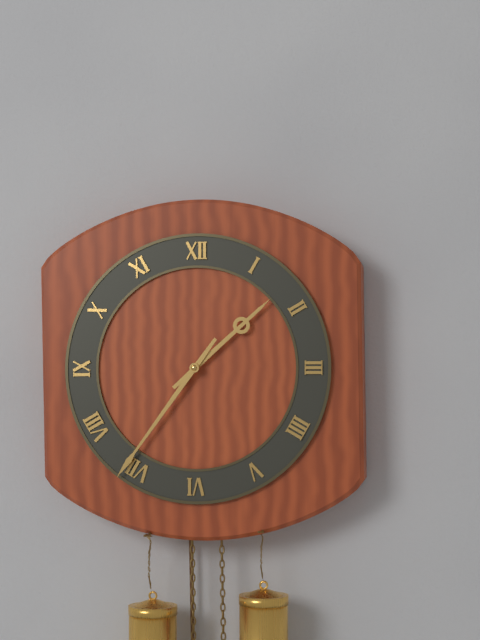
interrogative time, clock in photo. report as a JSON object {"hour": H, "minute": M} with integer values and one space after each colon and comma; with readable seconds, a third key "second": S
{"hour": 1, "minute": 36}
